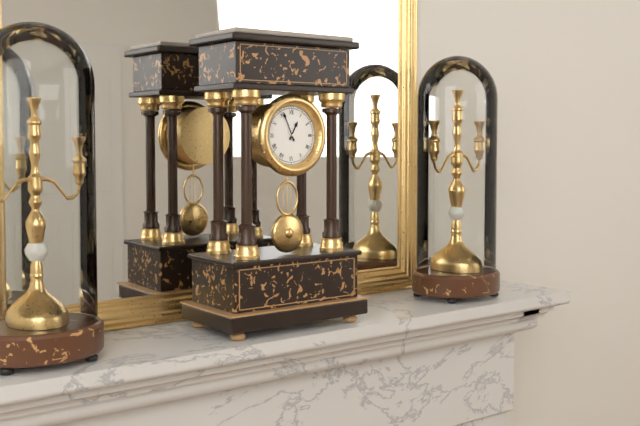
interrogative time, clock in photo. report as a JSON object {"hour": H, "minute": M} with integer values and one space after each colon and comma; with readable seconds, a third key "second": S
{"hour": 12, "minute": 56}
